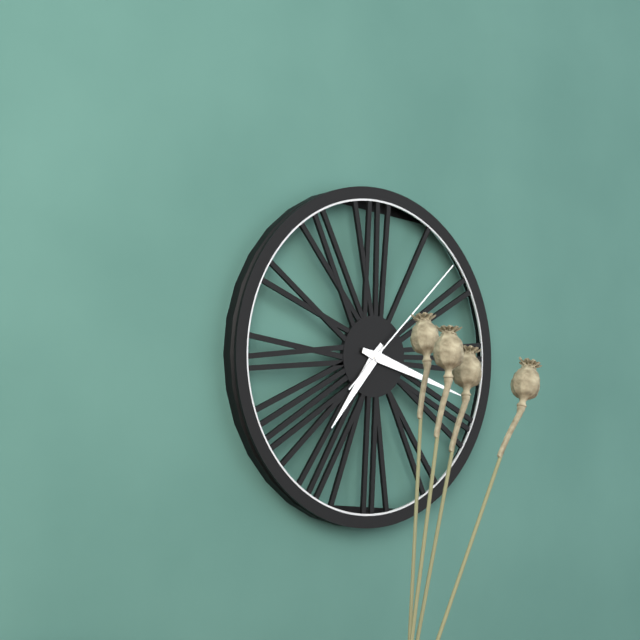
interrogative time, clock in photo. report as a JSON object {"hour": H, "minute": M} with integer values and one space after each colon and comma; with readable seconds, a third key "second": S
{"hour": 7, "minute": 18, "second": 8}
